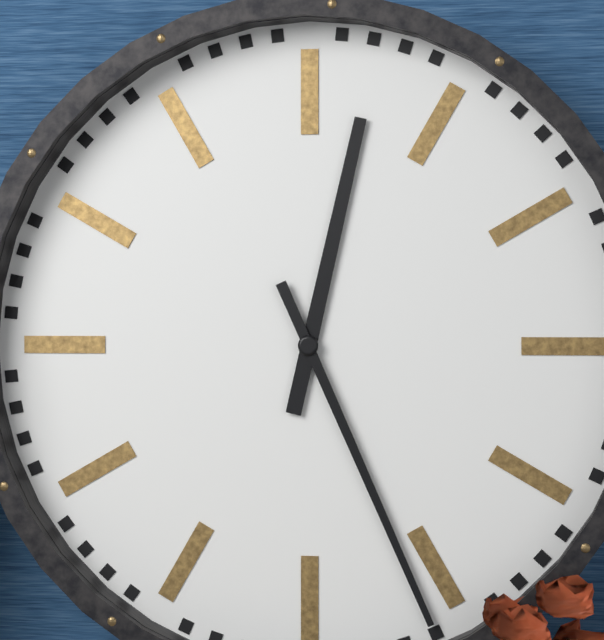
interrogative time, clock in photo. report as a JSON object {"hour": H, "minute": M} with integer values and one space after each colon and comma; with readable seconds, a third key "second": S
{"hour": 12, "minute": 26}
